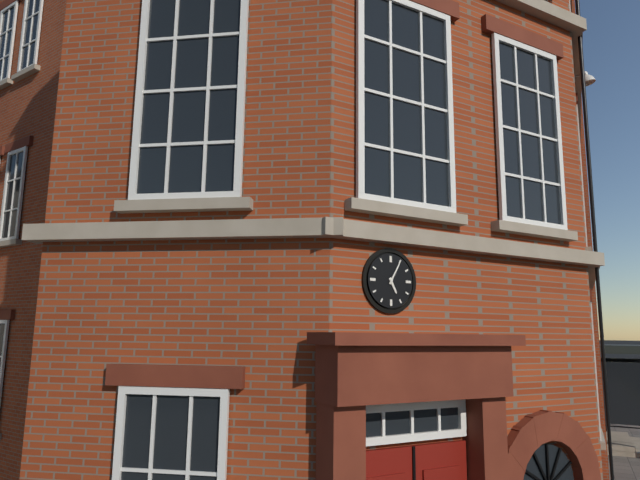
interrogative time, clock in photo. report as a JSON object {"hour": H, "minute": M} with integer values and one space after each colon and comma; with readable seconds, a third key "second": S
{"hour": 5, "minute": 5}
